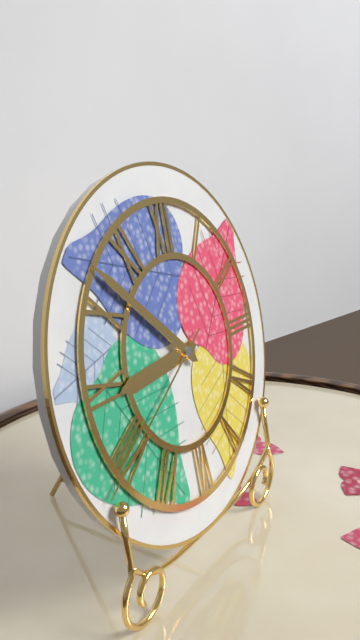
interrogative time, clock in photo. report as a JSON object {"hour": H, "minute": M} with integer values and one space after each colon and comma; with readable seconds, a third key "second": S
{"hour": 8, "minute": 52, "second": 40}
